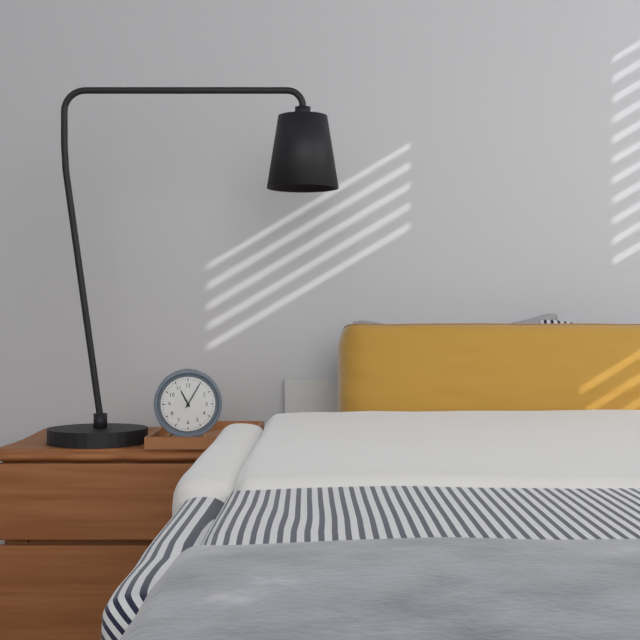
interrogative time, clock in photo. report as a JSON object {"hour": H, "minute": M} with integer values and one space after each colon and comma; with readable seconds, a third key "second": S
{"hour": 11, "minute": 5}
